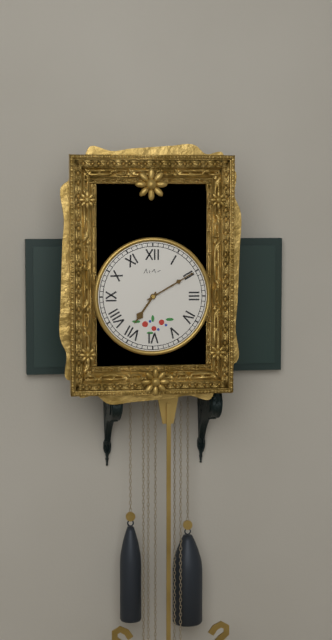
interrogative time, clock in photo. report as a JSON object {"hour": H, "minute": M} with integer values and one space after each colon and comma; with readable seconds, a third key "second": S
{"hour": 7, "minute": 10}
